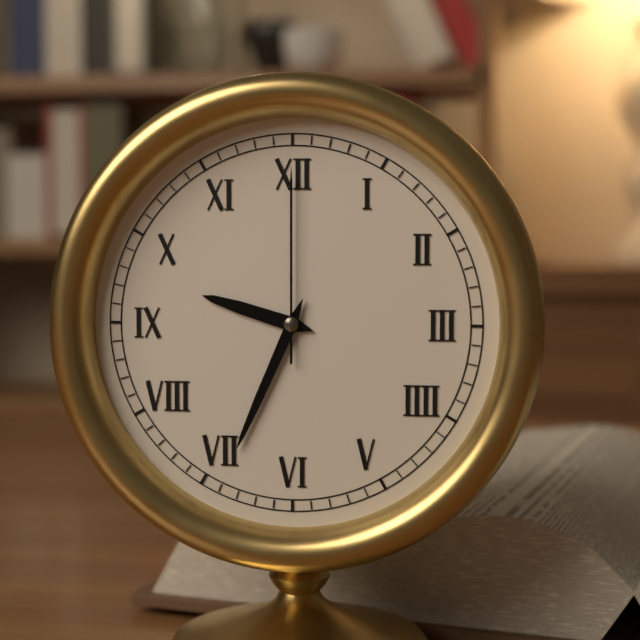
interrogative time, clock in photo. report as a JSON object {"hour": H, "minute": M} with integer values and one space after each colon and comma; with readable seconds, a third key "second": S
{"hour": 9, "minute": 34, "second": 0}
